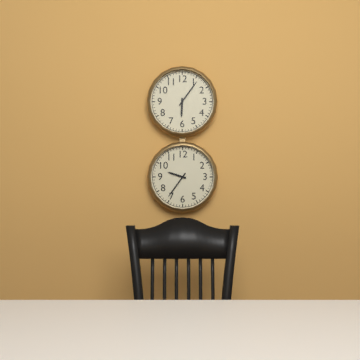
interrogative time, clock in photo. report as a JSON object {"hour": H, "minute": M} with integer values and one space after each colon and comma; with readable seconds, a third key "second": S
{"hour": 6, "minute": 6}
